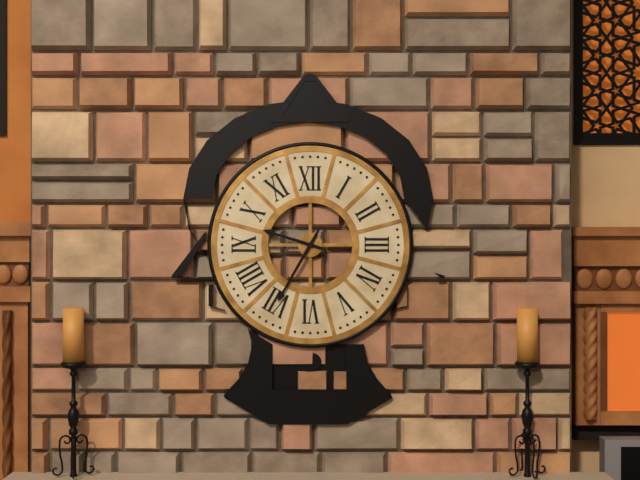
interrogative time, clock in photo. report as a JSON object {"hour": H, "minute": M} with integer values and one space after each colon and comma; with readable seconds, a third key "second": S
{"hour": 9, "minute": 35}
